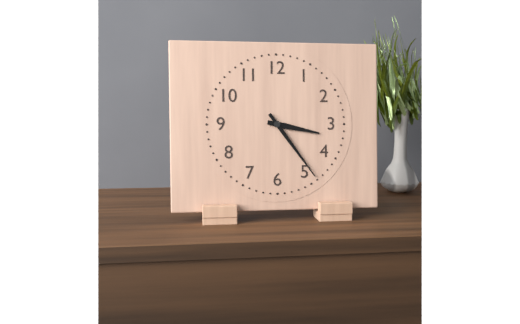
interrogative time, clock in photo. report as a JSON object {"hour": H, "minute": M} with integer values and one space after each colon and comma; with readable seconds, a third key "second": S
{"hour": 3, "minute": 24}
